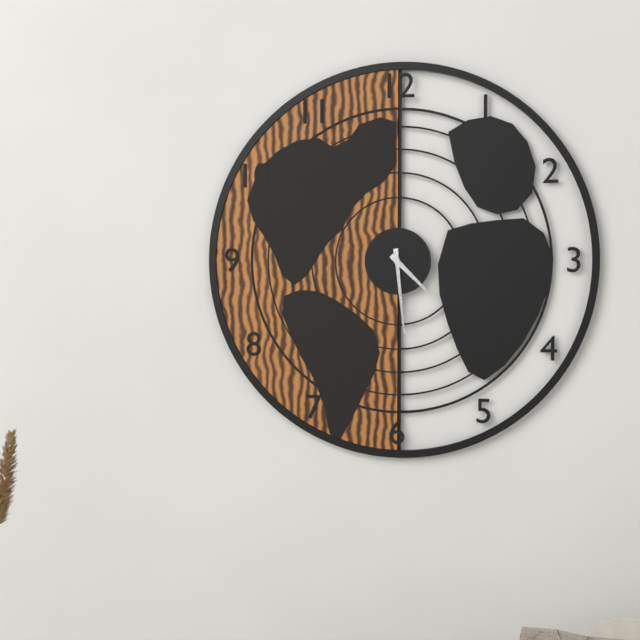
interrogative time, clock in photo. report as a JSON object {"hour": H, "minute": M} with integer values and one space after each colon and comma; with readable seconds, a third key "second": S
{"hour": 4, "minute": 29}
